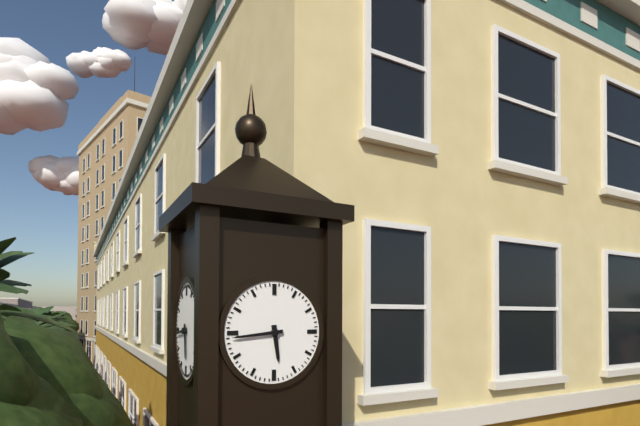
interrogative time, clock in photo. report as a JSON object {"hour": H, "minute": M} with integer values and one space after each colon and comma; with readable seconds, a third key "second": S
{"hour": 5, "minute": 44}
